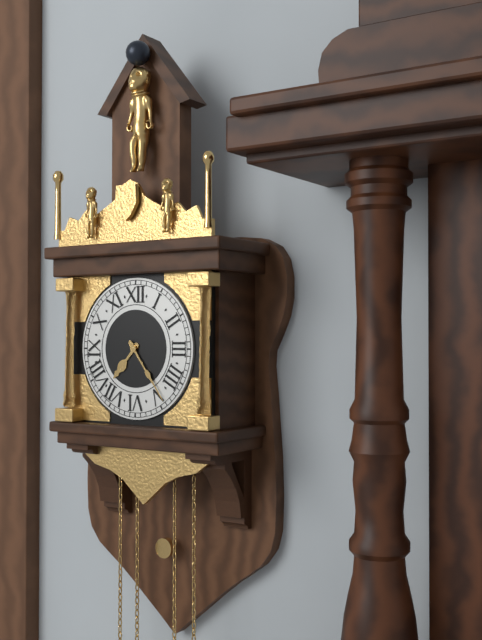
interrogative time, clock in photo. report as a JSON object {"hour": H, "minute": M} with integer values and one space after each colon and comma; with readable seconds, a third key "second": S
{"hour": 7, "minute": 24}
